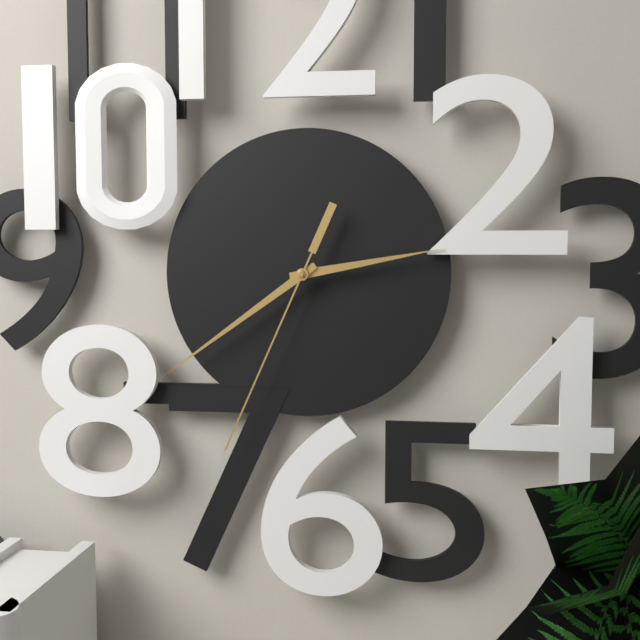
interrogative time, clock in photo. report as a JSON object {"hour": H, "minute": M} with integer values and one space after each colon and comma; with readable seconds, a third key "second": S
{"hour": 2, "minute": 39, "second": 34}
